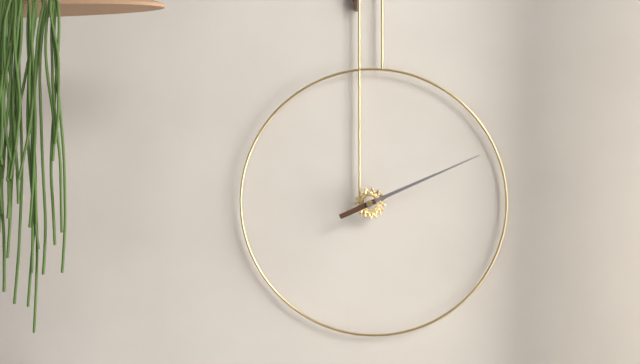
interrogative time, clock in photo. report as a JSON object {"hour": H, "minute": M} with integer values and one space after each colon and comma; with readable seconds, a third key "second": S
{"hour": 2, "minute": 11}
